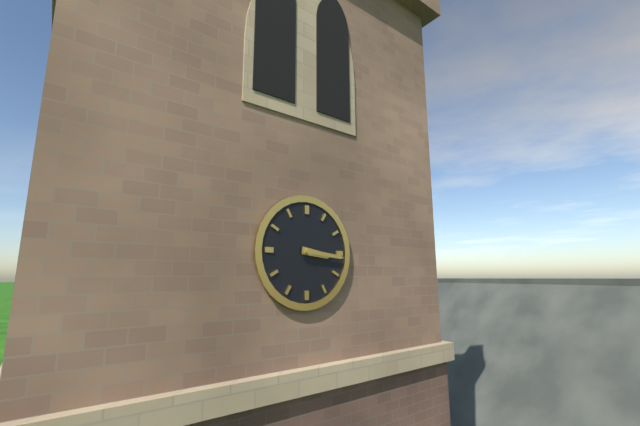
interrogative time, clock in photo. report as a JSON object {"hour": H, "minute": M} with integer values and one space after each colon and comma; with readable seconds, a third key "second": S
{"hour": 3, "minute": 16}
